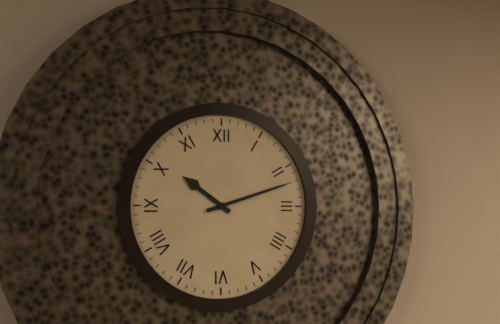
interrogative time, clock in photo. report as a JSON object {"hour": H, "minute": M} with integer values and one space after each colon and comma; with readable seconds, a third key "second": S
{"hour": 10, "minute": 12}
